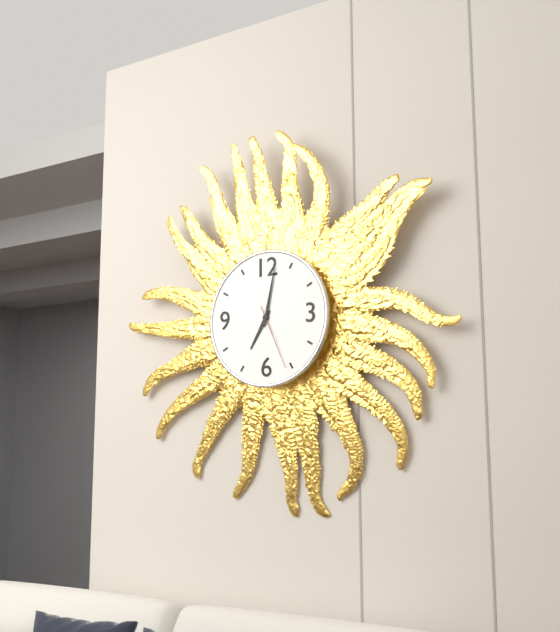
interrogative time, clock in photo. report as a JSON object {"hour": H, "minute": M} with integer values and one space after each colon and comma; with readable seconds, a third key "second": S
{"hour": 7, "minute": 2, "second": 26}
